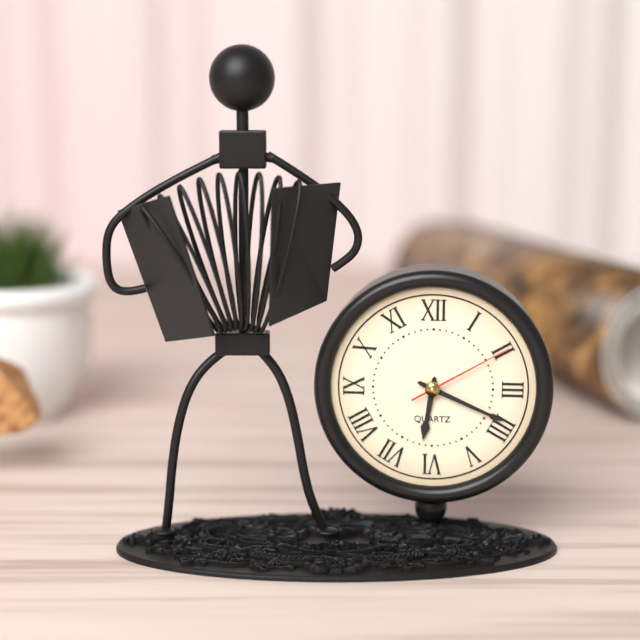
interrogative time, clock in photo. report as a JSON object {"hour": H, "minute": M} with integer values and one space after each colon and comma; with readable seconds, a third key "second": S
{"hour": 6, "minute": 19, "second": 10}
